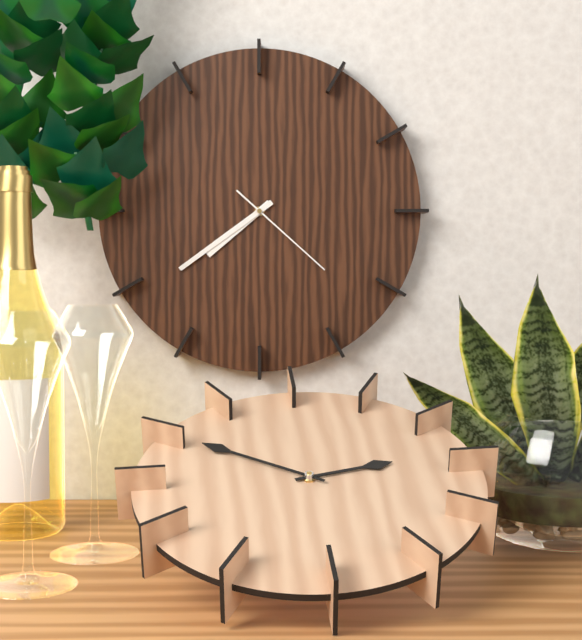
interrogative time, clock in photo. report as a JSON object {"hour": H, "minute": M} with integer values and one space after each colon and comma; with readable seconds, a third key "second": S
{"hour": 7, "minute": 39, "second": 22}
